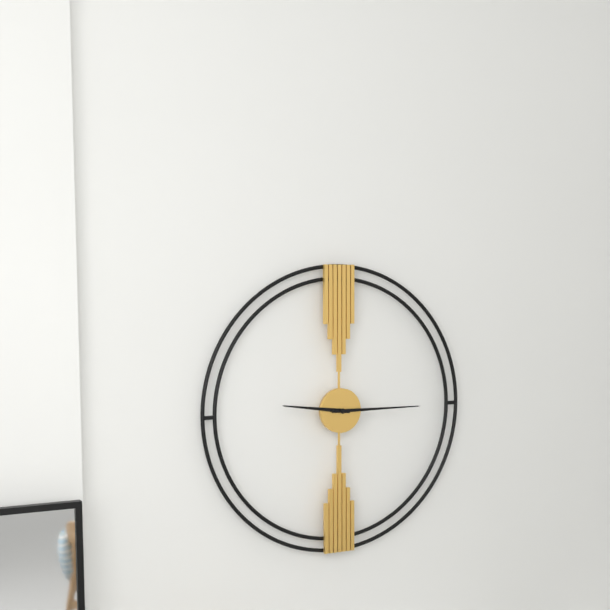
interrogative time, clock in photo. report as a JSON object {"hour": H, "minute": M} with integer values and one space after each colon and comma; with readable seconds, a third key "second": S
{"hour": 9, "minute": 15}
